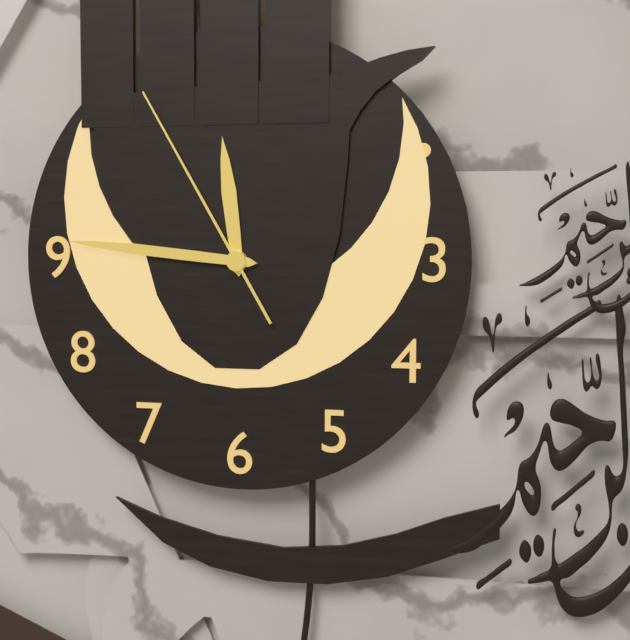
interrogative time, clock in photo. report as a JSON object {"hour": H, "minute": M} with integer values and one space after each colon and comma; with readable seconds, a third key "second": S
{"hour": 11, "minute": 46, "second": 55}
